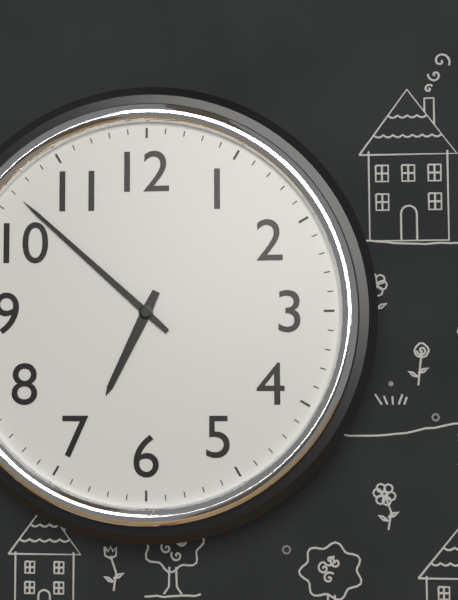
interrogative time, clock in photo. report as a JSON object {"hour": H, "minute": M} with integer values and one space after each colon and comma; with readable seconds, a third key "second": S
{"hour": 6, "minute": 52}
